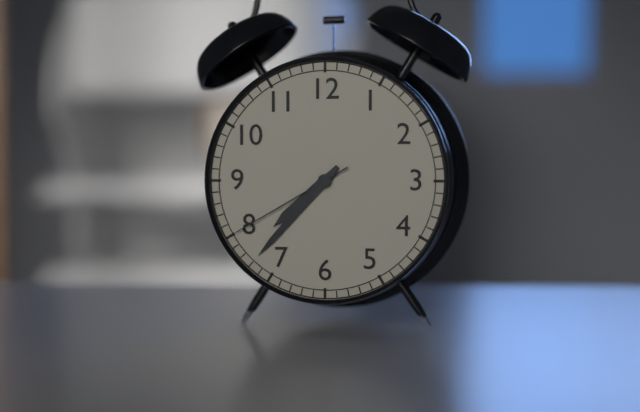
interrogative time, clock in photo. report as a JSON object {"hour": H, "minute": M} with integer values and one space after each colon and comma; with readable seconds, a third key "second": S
{"hour": 7, "minute": 37, "second": 40}
